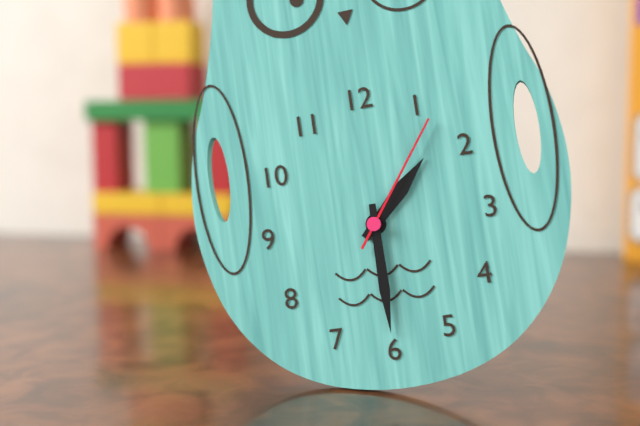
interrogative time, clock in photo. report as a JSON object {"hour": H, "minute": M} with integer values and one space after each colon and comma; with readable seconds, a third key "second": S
{"hour": 1, "minute": 30, "second": 6}
